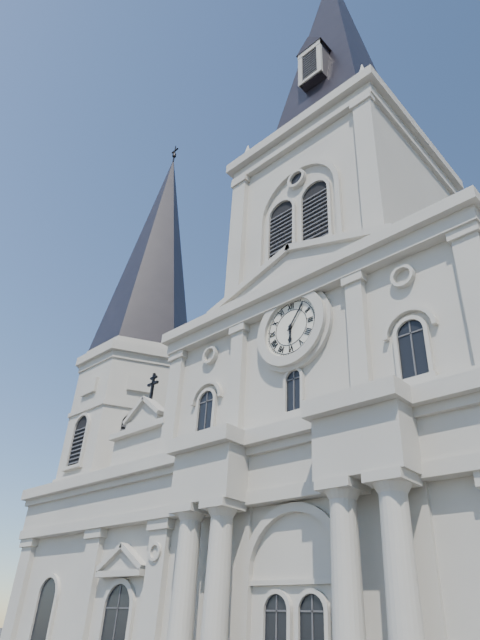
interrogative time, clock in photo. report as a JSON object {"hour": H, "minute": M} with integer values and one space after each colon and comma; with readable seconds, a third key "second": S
{"hour": 6, "minute": 6}
